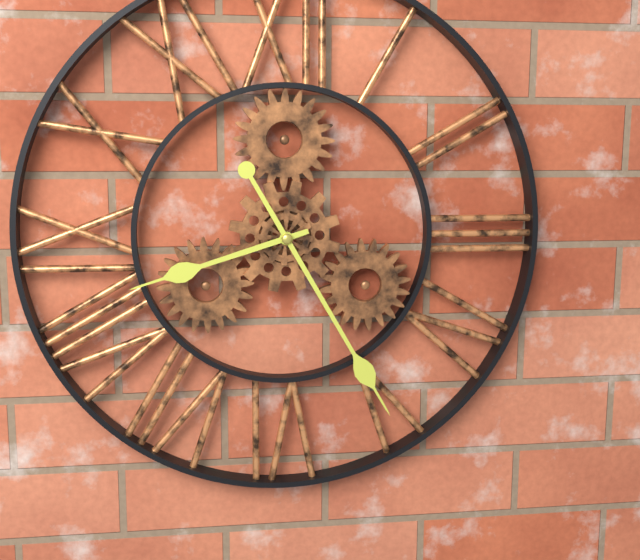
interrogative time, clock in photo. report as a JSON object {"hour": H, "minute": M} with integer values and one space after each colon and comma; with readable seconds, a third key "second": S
{"hour": 8, "minute": 25}
